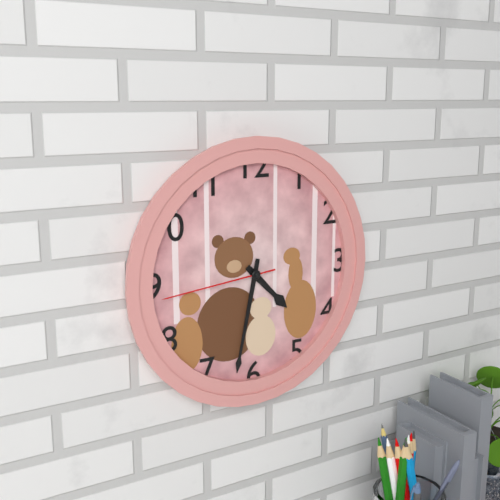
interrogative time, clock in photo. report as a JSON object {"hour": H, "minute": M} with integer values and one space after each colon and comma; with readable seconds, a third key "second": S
{"hour": 4, "minute": 32, "second": 44}
